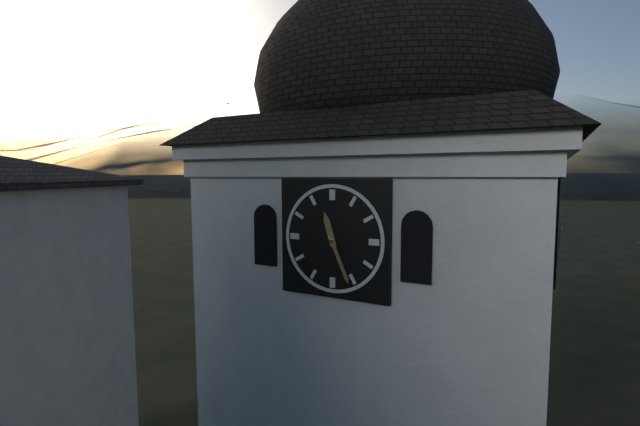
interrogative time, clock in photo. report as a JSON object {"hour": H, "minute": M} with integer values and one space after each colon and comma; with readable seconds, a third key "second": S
{"hour": 11, "minute": 26}
